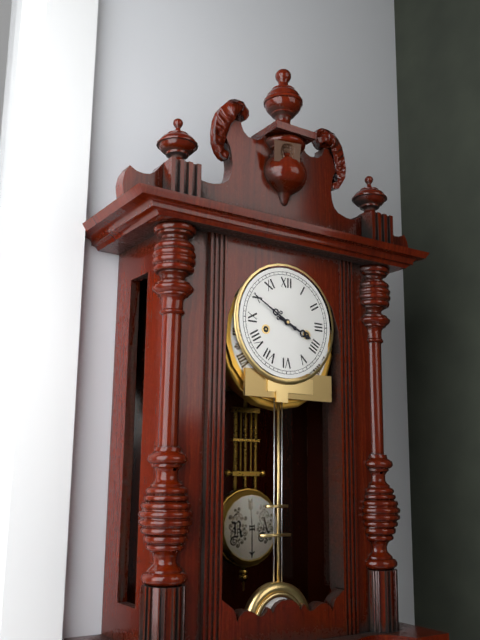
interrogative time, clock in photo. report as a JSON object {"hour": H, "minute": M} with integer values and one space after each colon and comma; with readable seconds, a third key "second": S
{"hour": 3, "minute": 50}
